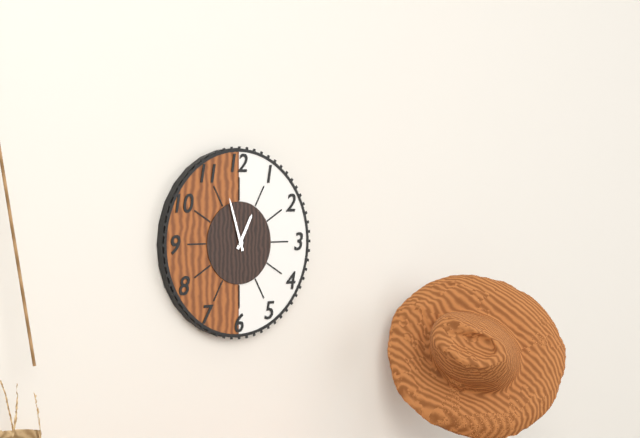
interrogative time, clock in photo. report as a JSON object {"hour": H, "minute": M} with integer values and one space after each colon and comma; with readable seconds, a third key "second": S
{"hour": 12, "minute": 57}
